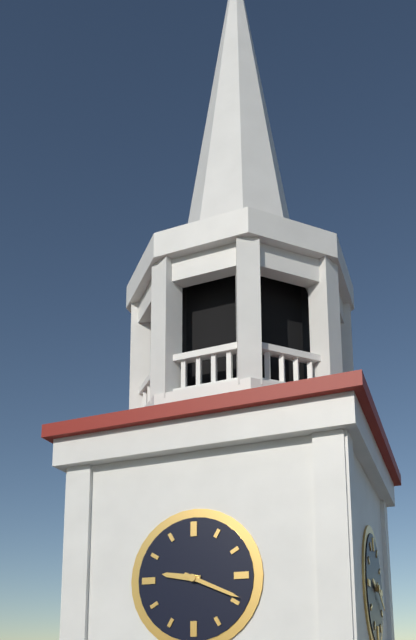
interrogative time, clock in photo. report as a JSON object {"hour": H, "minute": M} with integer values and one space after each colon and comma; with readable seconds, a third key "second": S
{"hour": 9, "minute": 19}
